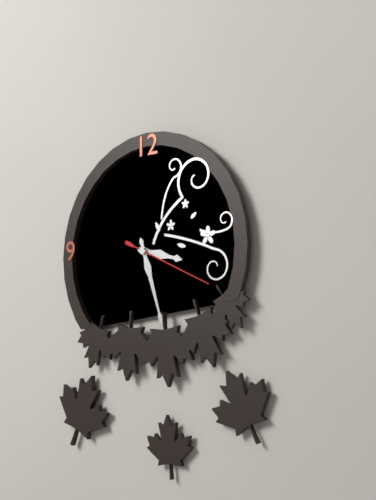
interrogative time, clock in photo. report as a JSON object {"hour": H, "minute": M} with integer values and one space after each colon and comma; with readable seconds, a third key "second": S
{"hour": 3, "minute": 27, "second": 19}
